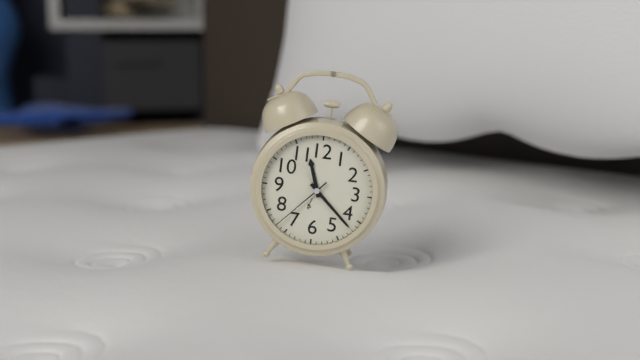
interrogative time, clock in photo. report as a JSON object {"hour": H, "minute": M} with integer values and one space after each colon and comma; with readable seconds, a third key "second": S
{"hour": 11, "minute": 22, "second": 37}
